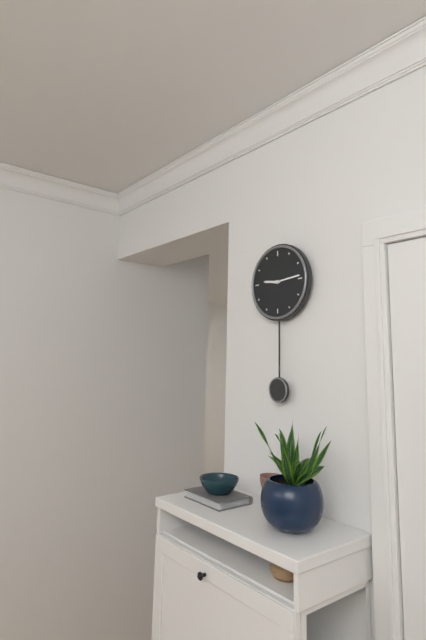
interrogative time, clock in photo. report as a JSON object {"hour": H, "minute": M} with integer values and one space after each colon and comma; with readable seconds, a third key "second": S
{"hour": 9, "minute": 14}
